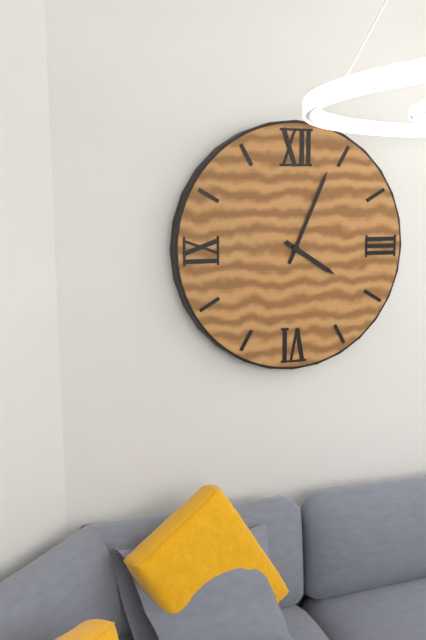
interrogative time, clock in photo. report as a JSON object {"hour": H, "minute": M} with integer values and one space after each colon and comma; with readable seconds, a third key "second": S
{"hour": 4, "minute": 4}
